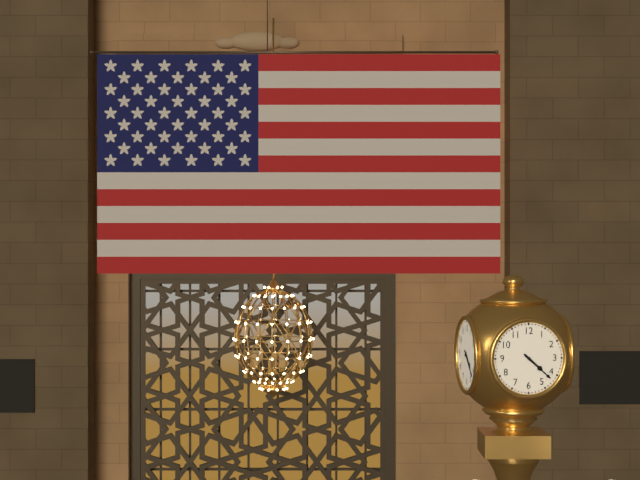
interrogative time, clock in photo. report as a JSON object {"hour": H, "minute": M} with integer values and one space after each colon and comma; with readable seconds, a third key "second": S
{"hour": 4, "minute": 22}
